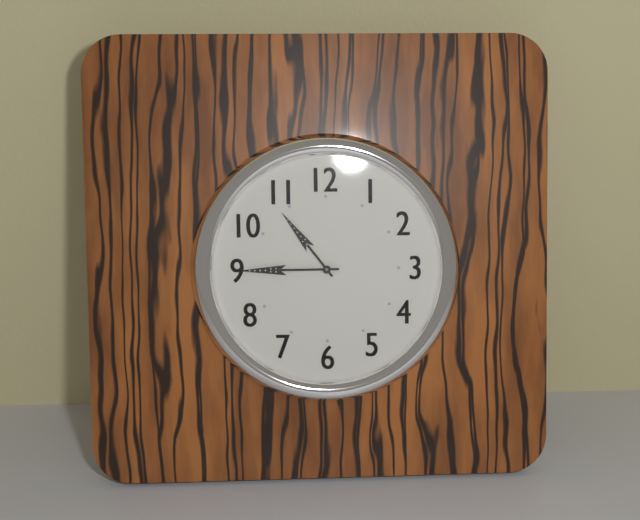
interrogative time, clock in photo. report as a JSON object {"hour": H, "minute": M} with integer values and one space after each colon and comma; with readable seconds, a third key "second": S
{"hour": 10, "minute": 45}
